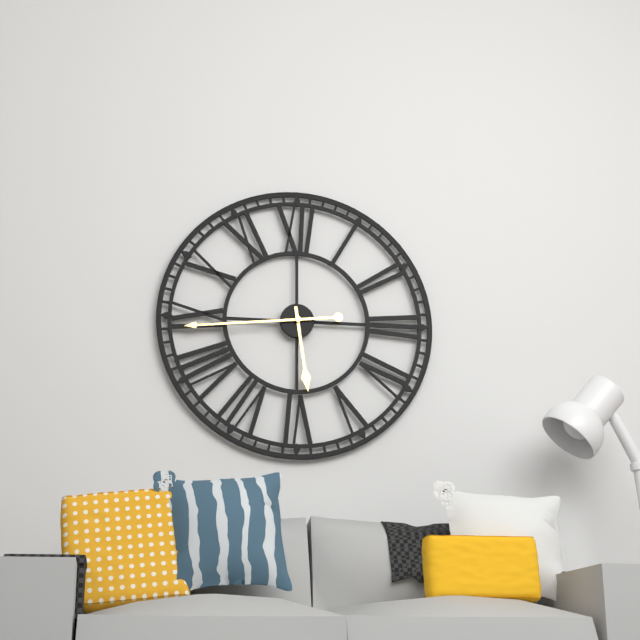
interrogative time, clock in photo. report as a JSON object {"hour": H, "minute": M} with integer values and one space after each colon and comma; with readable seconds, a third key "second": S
{"hour": 5, "minute": 44}
